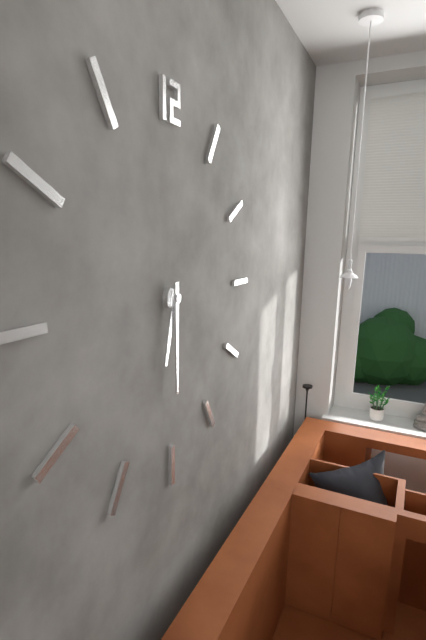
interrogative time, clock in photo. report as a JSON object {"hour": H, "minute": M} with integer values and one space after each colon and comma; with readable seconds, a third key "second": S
{"hour": 6, "minute": 30}
